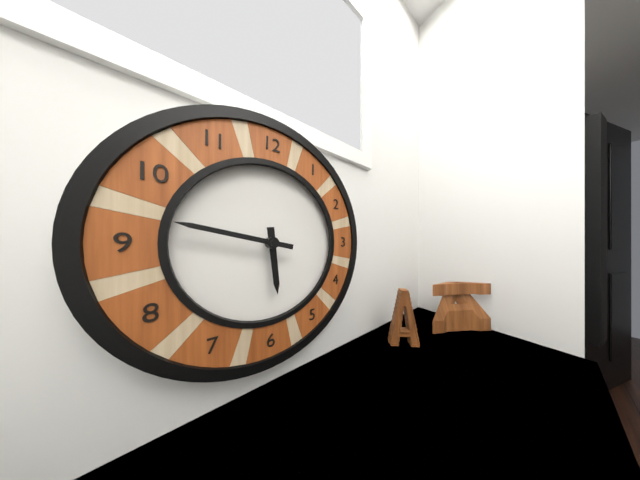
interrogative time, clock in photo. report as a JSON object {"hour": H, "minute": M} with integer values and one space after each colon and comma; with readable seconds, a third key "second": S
{"hour": 5, "minute": 47}
